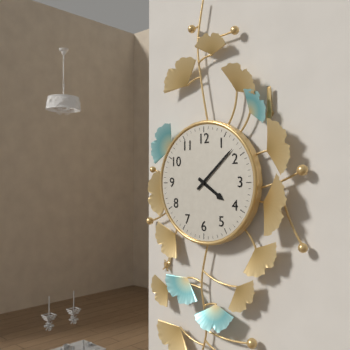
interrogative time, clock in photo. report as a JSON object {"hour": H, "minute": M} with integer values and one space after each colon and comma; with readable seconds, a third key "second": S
{"hour": 4, "minute": 8}
